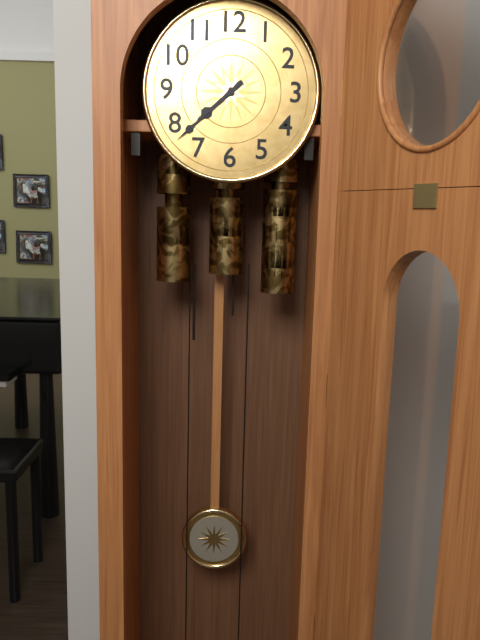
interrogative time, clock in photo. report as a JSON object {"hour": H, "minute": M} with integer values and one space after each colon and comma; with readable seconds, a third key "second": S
{"hour": 7, "minute": 38}
